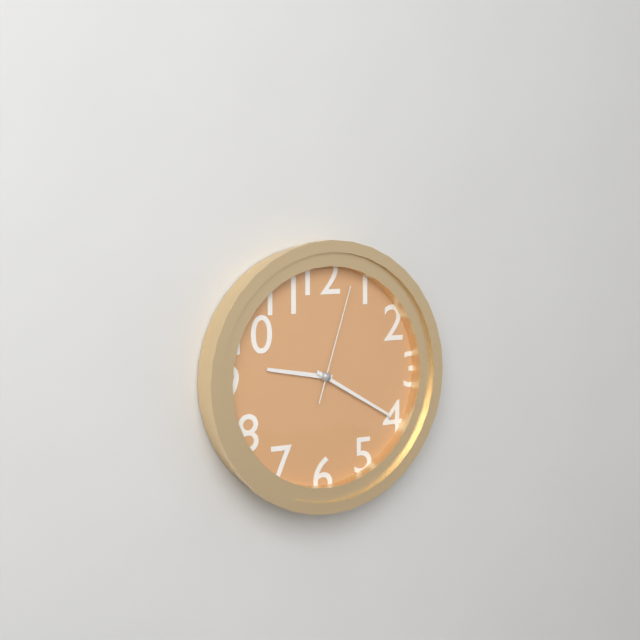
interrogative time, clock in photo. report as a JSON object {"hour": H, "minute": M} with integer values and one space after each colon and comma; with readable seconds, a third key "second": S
{"hour": 9, "minute": 20, "second": 3}
